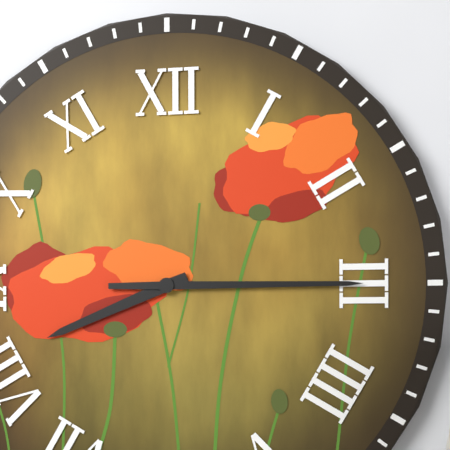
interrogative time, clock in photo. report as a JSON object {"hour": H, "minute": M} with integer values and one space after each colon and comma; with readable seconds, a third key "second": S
{"hour": 8, "minute": 15}
